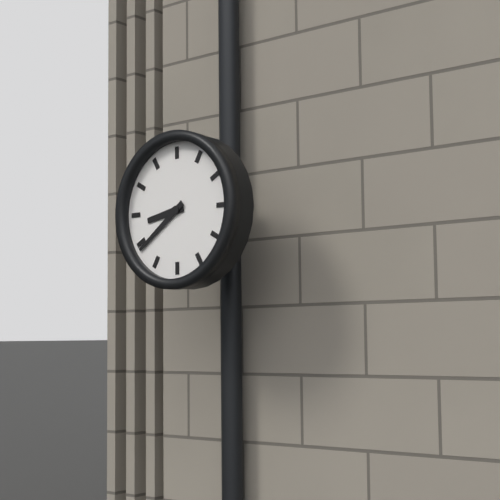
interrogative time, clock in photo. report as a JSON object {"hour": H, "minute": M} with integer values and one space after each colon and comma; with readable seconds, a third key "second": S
{"hour": 8, "minute": 39}
